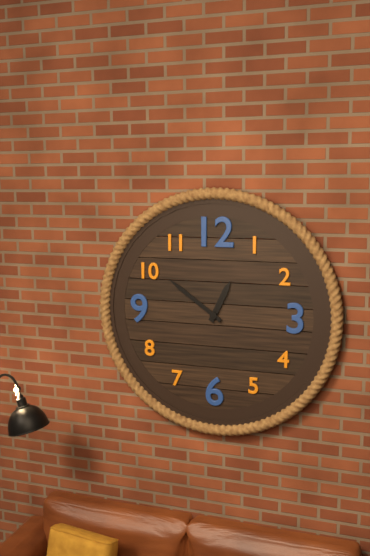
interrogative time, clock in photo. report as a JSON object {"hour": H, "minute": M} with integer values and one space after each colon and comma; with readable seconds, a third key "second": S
{"hour": 12, "minute": 51}
